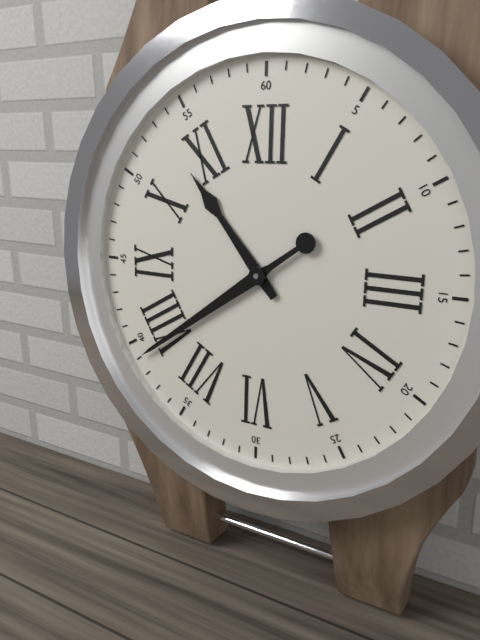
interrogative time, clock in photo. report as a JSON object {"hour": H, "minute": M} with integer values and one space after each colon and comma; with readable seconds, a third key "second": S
{"hour": 10, "minute": 39}
